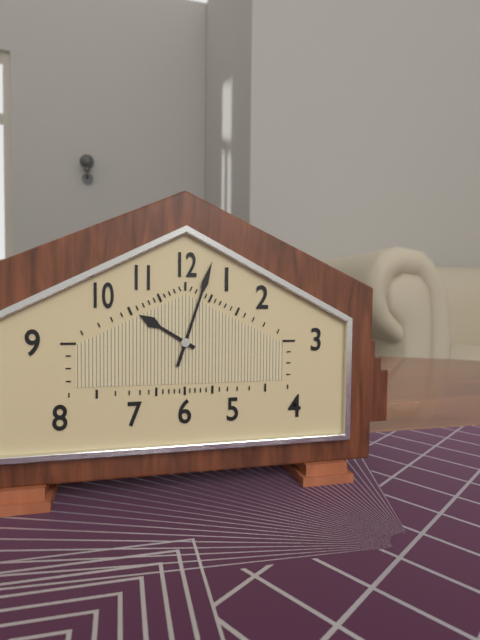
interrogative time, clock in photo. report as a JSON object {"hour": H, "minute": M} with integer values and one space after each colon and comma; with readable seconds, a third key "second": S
{"hour": 10, "minute": 3}
